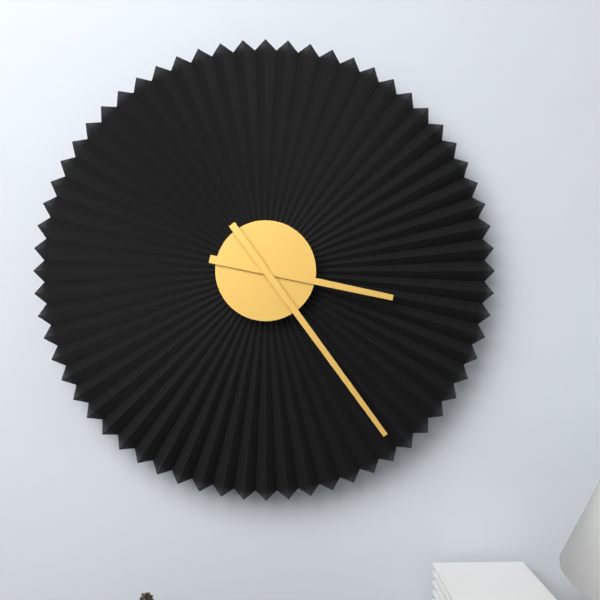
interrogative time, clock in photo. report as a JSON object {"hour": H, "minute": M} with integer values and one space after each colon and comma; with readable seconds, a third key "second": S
{"hour": 3, "minute": 24}
